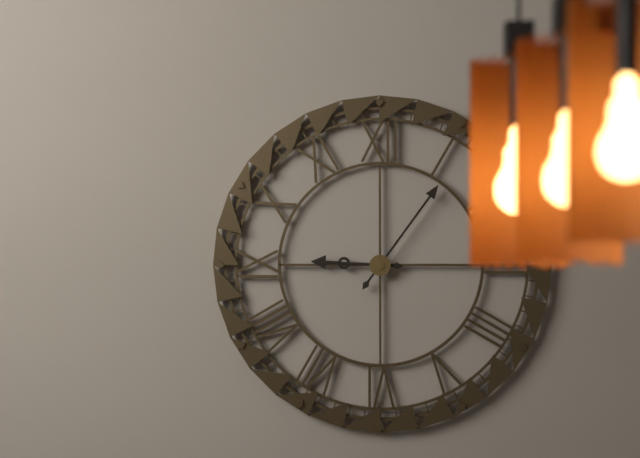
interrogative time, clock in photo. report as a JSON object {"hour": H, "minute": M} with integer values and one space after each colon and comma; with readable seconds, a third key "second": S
{"hour": 9, "minute": 6}
